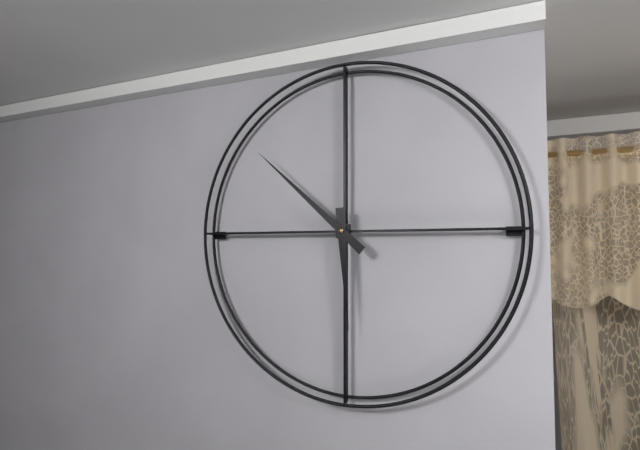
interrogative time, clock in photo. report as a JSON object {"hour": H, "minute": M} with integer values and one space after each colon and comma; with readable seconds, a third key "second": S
{"hour": 5, "minute": 52}
